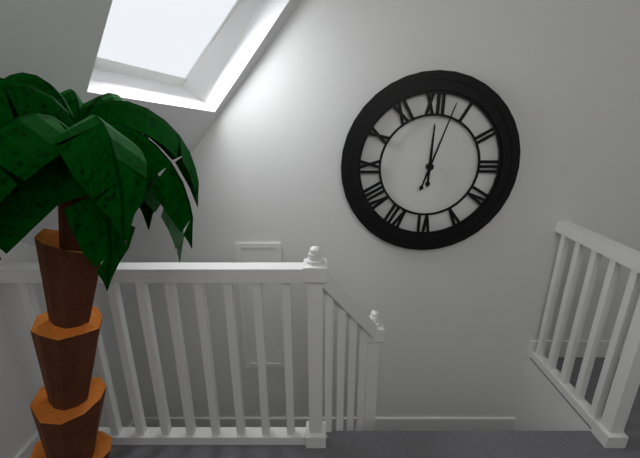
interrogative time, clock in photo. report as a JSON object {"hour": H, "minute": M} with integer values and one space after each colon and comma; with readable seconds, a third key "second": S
{"hour": 12, "minute": 3}
